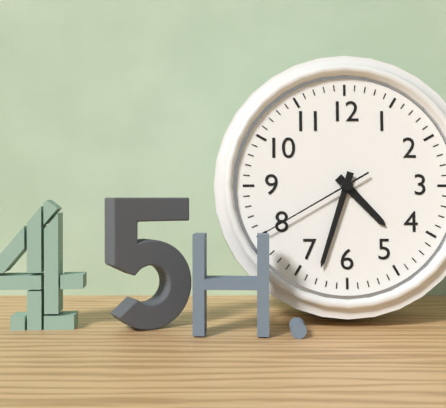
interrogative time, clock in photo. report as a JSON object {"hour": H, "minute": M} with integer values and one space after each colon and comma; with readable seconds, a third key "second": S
{"hour": 4, "minute": 33, "second": 40}
